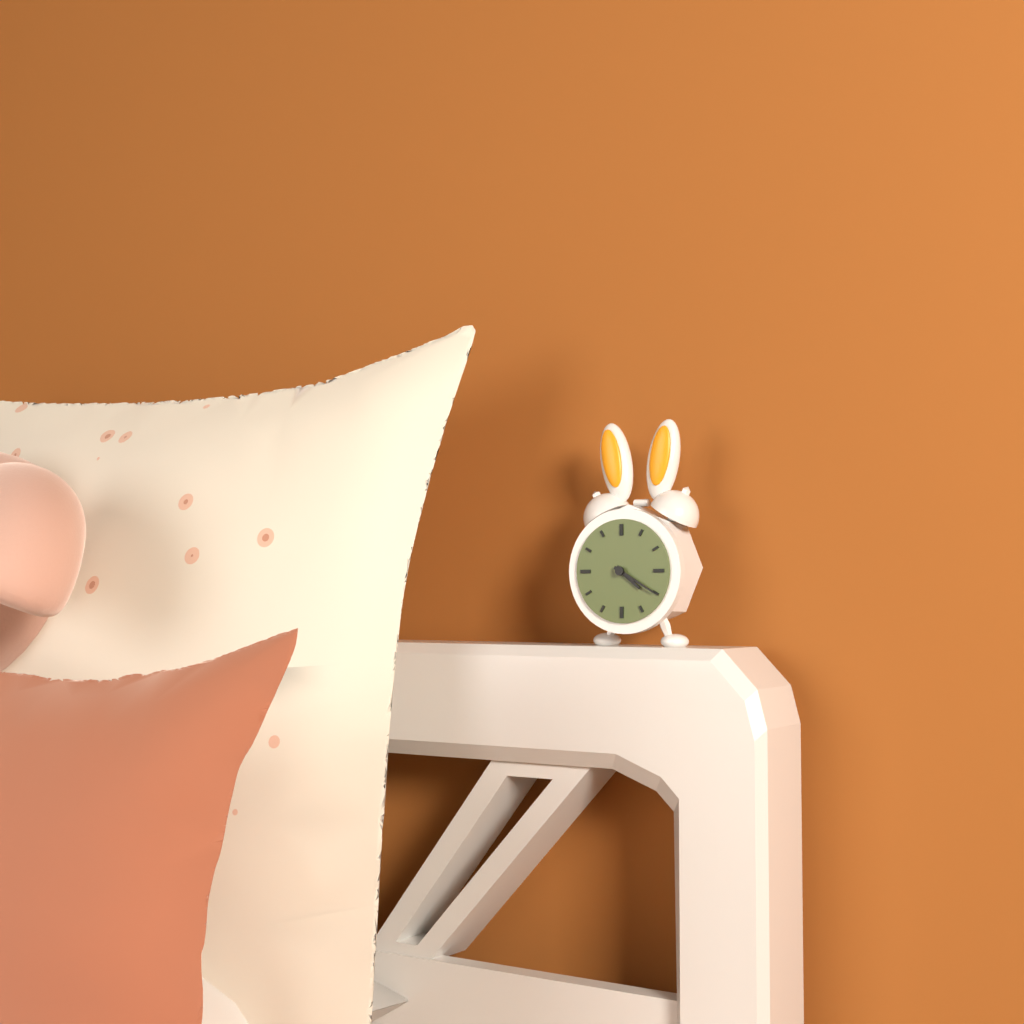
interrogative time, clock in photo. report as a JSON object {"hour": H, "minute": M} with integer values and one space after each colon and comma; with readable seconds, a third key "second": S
{"hour": 4, "minute": 20}
